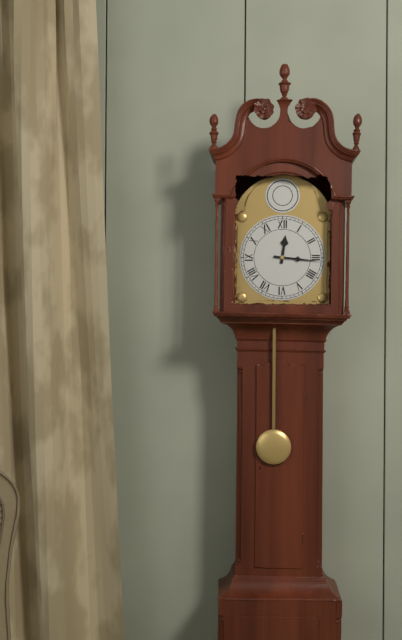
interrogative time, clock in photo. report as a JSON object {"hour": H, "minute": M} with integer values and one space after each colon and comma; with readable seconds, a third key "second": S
{"hour": 12, "minute": 16}
